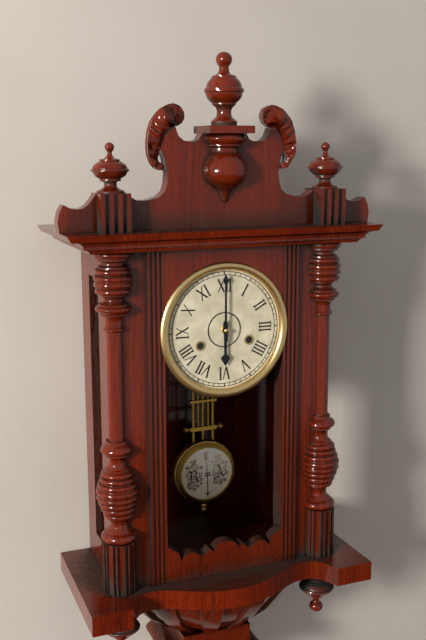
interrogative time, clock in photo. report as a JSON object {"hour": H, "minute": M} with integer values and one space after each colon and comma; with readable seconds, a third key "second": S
{"hour": 6, "minute": 0}
